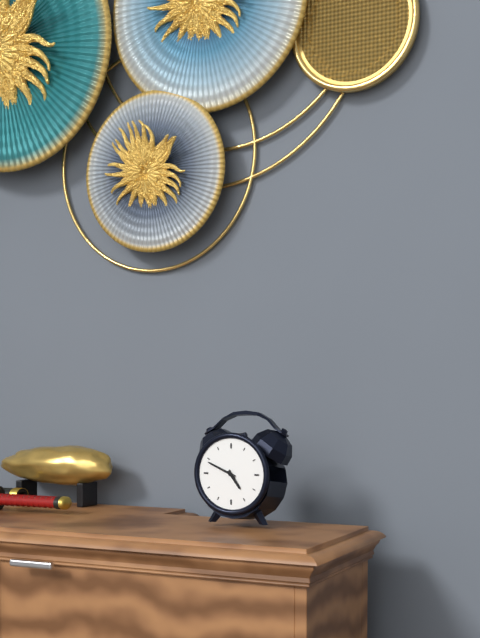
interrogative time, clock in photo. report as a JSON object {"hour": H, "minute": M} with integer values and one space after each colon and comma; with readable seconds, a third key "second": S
{"hour": 4, "minute": 49}
